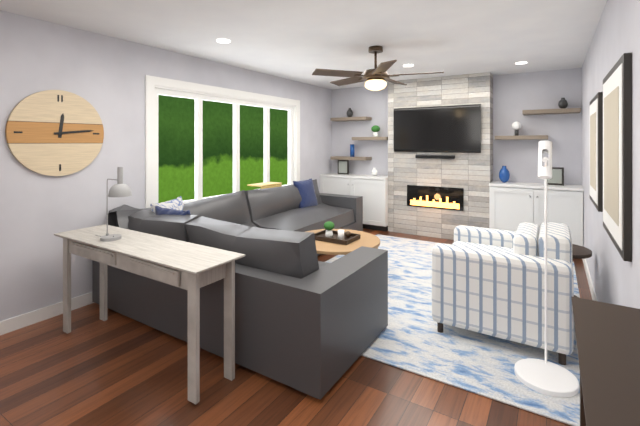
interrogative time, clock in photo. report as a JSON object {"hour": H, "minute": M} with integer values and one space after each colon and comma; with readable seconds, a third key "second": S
{"hour": 12, "minute": 14}
